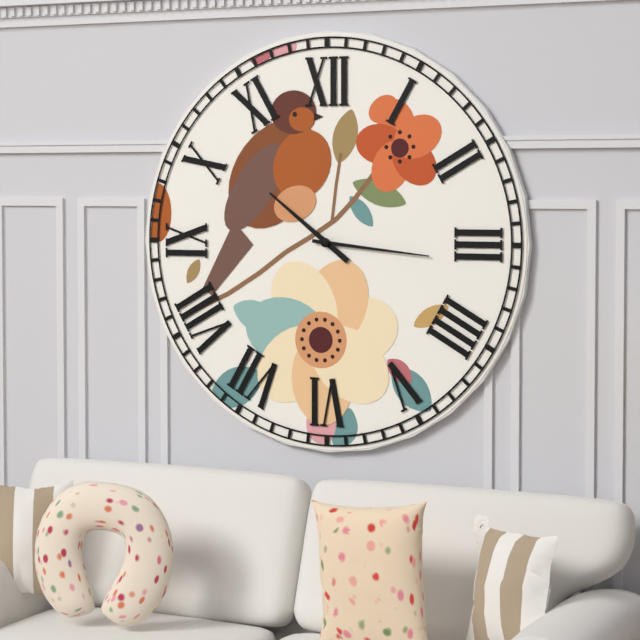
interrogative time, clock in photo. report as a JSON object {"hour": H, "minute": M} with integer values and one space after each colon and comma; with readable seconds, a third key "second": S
{"hour": 10, "minute": 16}
